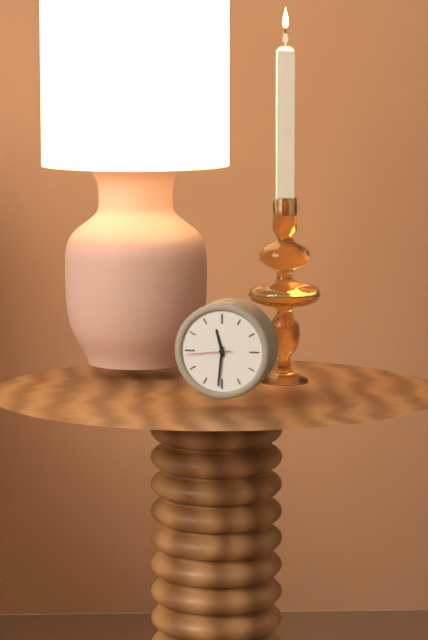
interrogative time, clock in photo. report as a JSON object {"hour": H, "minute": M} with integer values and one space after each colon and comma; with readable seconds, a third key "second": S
{"hour": 11, "minute": 31}
